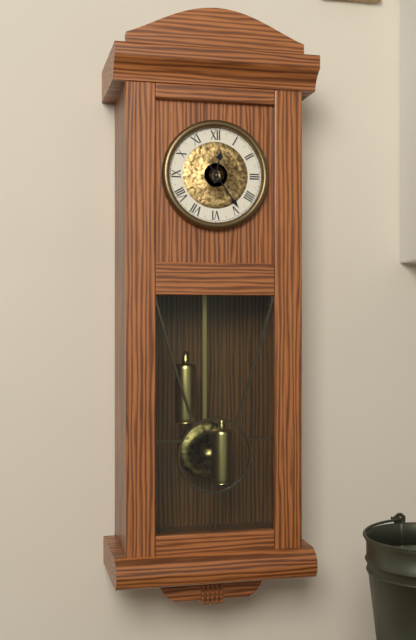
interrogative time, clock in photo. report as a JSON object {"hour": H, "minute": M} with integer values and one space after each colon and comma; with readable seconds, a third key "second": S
{"hour": 12, "minute": 24}
